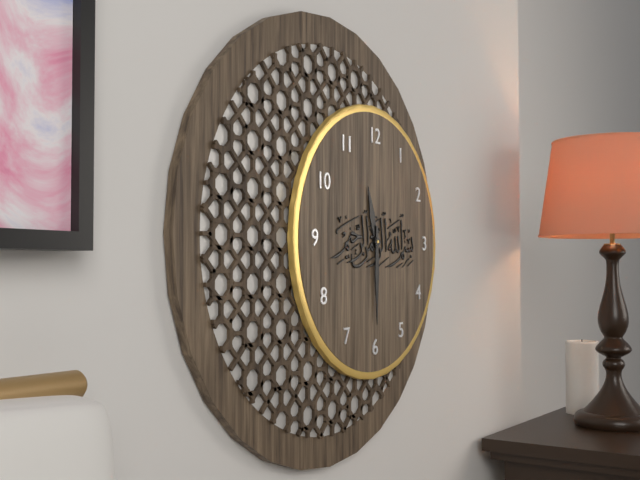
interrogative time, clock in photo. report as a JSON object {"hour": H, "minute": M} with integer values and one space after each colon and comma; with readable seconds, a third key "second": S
{"hour": 11, "minute": 30}
